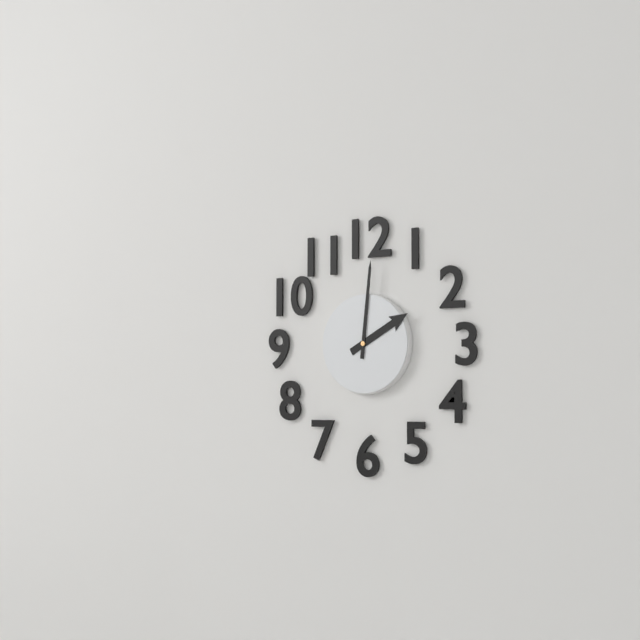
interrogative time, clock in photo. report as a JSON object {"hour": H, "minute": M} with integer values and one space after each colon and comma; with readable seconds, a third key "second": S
{"hour": 2, "minute": 1}
